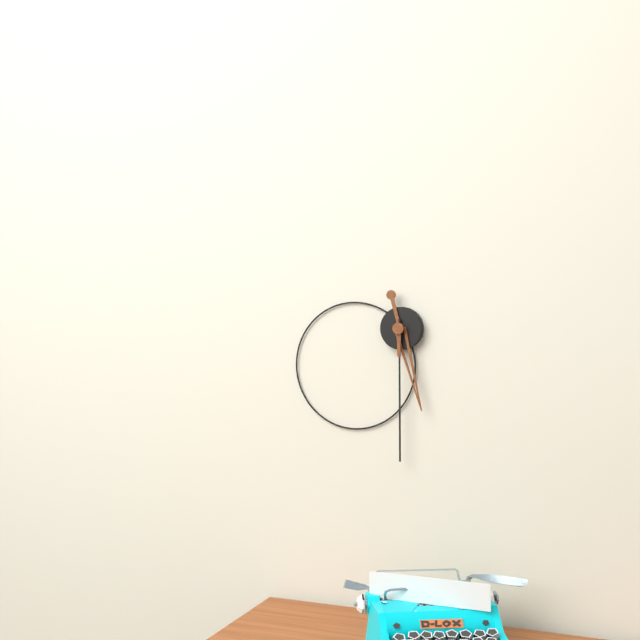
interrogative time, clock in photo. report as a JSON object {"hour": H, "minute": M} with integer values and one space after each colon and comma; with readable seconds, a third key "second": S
{"hour": 5, "minute": 30}
